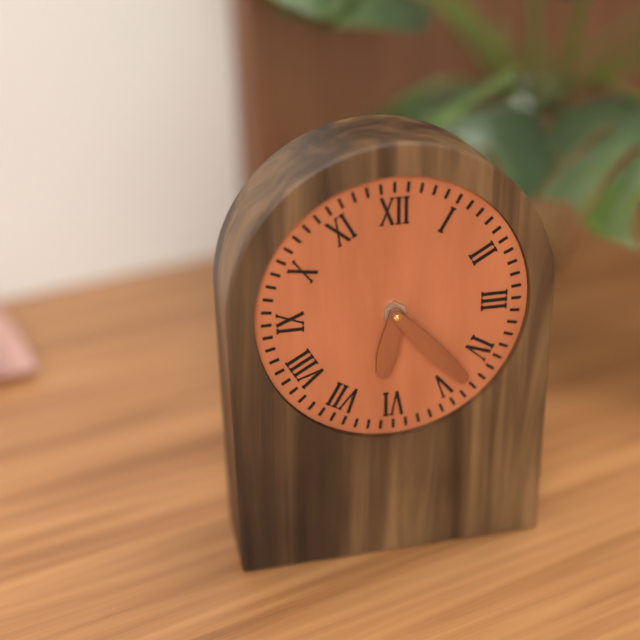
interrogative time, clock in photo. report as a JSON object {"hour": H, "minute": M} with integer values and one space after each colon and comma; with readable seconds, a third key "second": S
{"hour": 6, "minute": 23}
